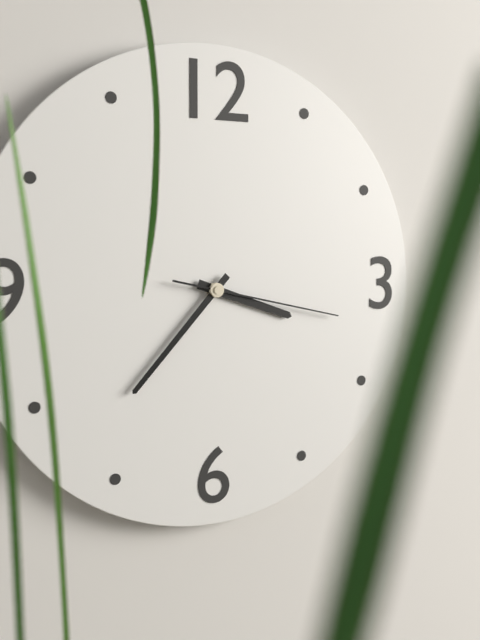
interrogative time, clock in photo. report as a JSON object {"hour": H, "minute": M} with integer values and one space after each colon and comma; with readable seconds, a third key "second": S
{"hour": 3, "minute": 37, "second": 17}
